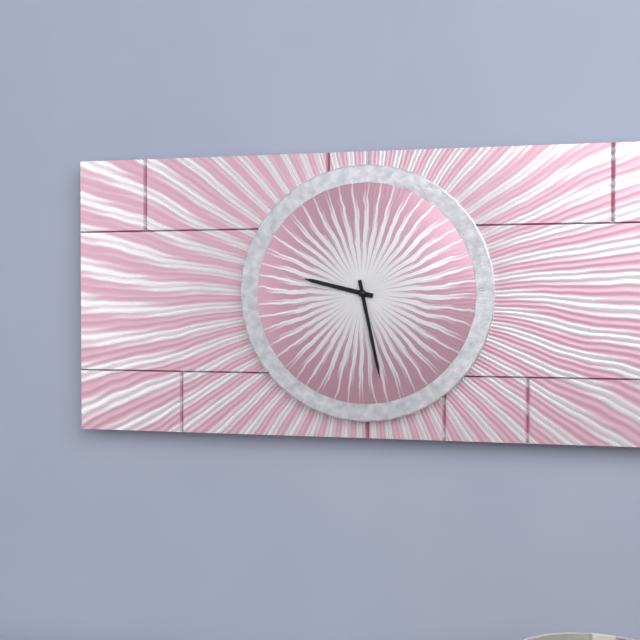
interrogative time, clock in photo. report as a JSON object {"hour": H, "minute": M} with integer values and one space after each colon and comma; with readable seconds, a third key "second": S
{"hour": 9, "minute": 28}
